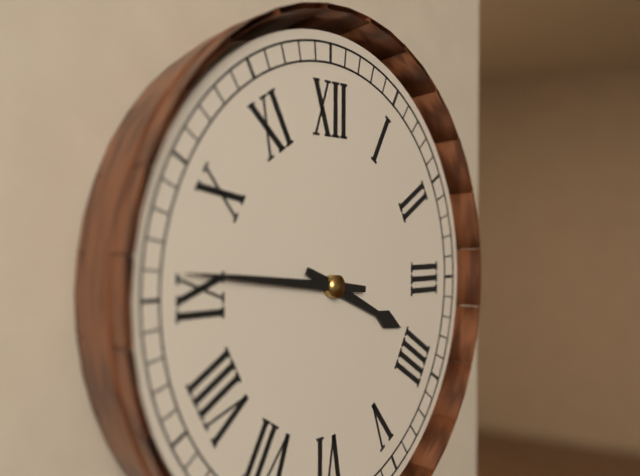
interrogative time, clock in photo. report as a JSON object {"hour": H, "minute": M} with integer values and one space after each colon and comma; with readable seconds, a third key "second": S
{"hour": 3, "minute": 46}
